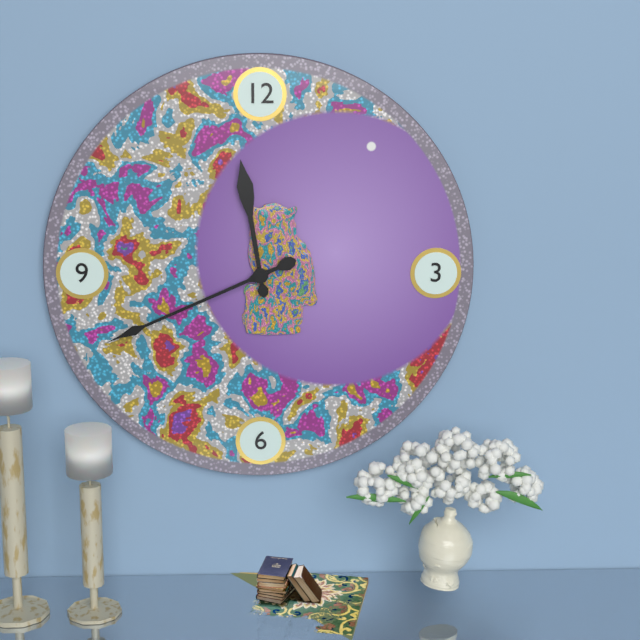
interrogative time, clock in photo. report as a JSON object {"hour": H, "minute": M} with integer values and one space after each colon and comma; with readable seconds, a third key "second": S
{"hour": 11, "minute": 41}
